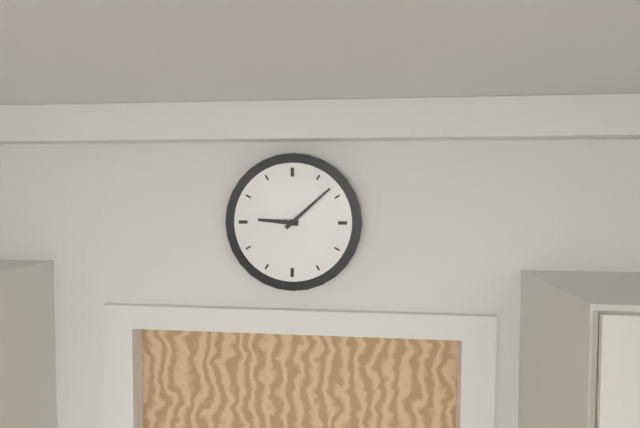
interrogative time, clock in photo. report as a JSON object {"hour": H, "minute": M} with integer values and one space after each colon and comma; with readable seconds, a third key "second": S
{"hour": 9, "minute": 8}
